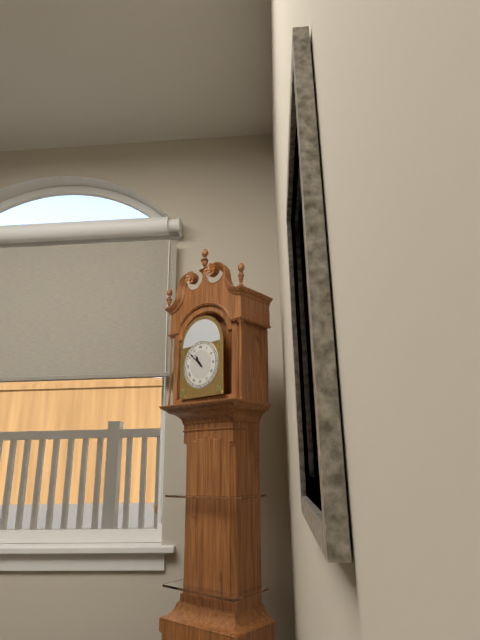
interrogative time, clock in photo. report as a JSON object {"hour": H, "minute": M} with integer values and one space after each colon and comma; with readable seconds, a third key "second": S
{"hour": 10, "minute": 52}
